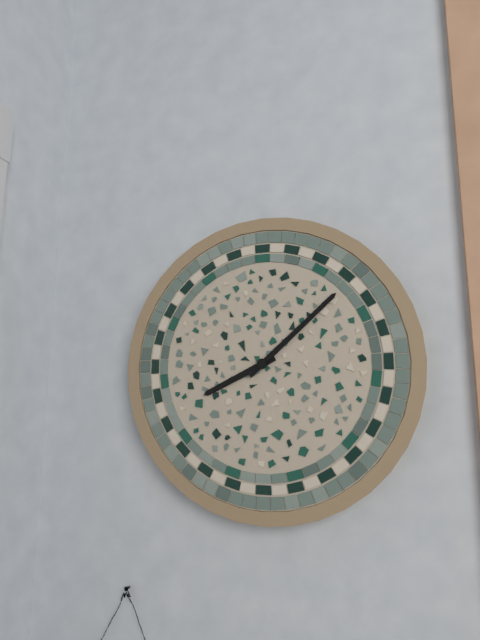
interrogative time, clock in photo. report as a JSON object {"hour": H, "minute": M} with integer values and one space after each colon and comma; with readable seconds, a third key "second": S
{"hour": 8, "minute": 8}
